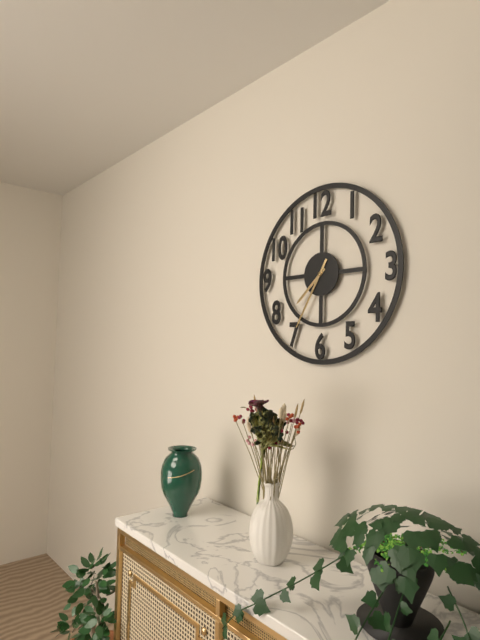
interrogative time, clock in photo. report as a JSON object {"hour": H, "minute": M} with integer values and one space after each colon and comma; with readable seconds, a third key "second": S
{"hour": 7, "minute": 35}
